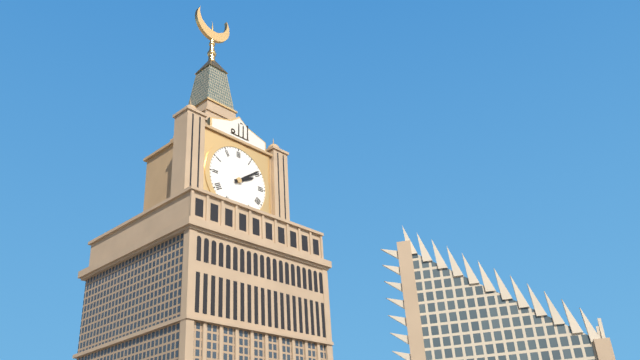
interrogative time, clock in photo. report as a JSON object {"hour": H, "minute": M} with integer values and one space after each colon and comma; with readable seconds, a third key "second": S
{"hour": 2, "minute": 9}
